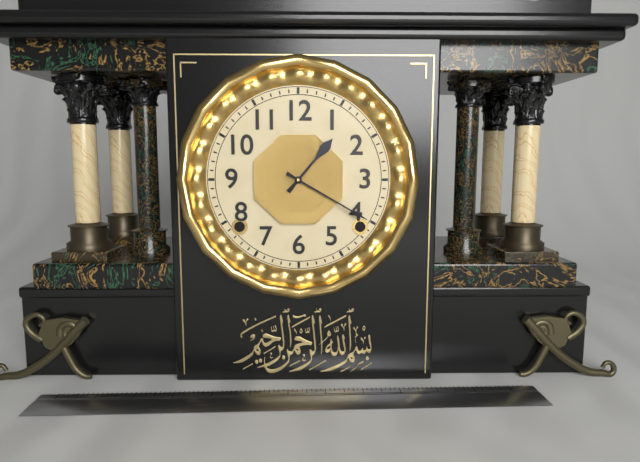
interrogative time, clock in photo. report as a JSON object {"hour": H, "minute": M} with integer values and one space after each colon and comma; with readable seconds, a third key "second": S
{"hour": 1, "minute": 20}
